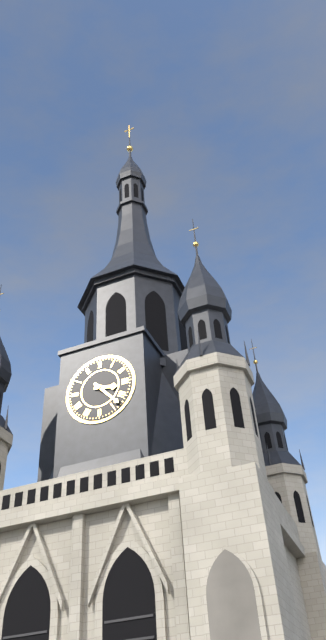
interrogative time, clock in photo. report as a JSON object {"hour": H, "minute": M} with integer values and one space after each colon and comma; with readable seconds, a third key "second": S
{"hour": 3, "minute": 23}
